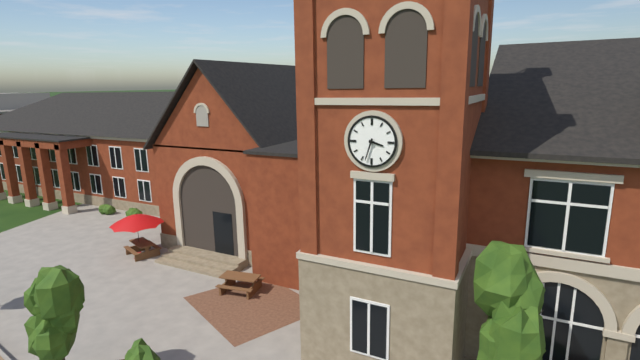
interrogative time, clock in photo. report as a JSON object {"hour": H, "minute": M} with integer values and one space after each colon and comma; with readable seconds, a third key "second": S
{"hour": 3, "minute": 33}
